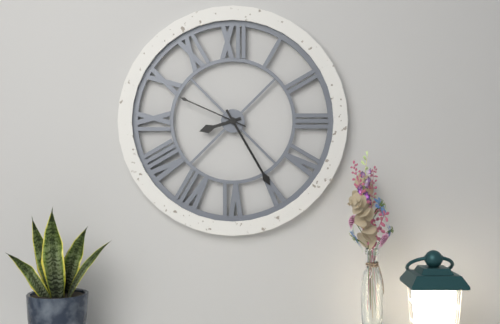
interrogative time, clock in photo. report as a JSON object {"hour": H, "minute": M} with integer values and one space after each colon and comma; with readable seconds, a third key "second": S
{"hour": 8, "minute": 25, "second": 49}
